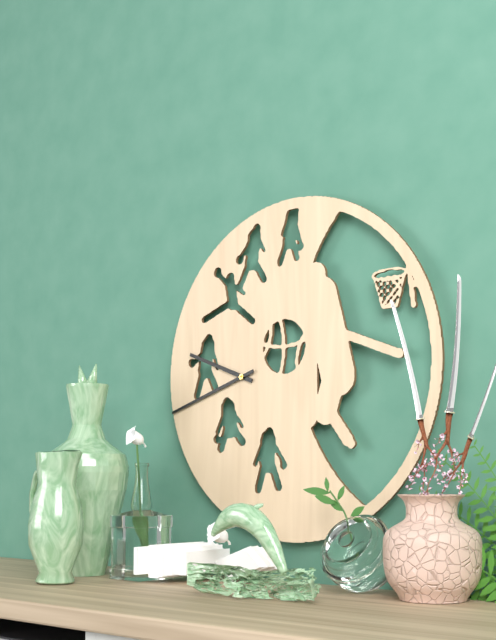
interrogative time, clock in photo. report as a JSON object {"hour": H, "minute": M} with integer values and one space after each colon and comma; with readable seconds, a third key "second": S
{"hour": 9, "minute": 42}
